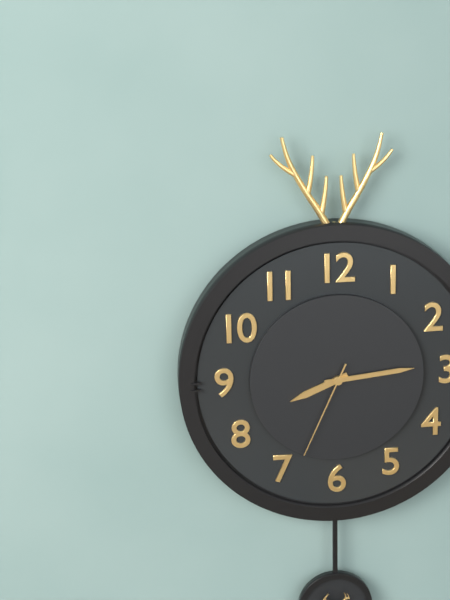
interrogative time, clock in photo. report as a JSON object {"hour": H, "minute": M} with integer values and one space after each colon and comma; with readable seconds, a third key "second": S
{"hour": 8, "minute": 14, "second": 34}
